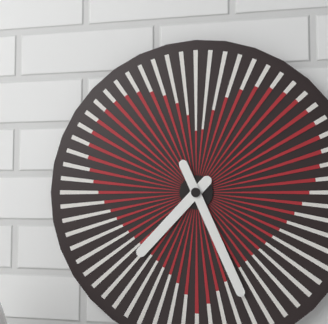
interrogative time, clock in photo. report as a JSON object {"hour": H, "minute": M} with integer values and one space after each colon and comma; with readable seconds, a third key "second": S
{"hour": 7, "minute": 26}
